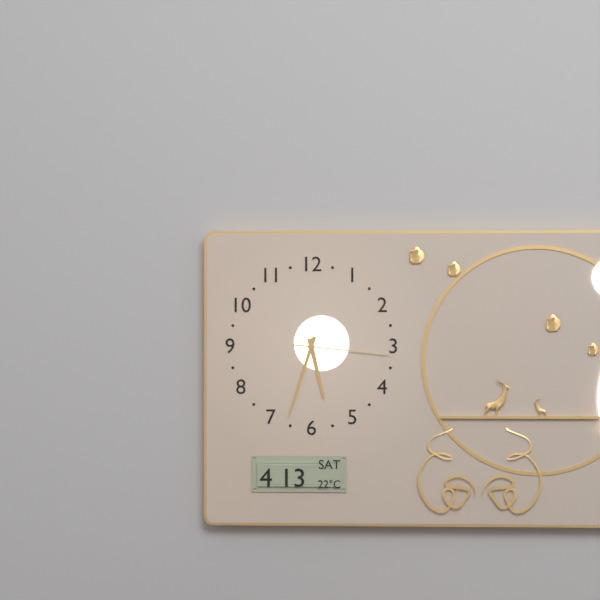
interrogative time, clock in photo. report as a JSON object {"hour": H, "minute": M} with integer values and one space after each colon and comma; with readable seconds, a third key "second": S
{"hour": 5, "minute": 33, "second": 16}
